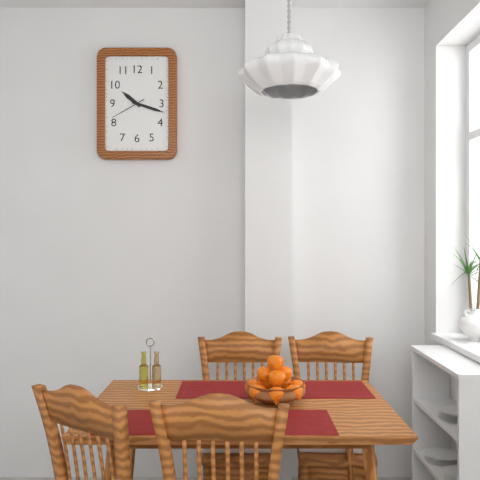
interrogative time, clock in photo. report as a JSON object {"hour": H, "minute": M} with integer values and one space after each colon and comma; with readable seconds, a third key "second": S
{"hour": 10, "minute": 18}
